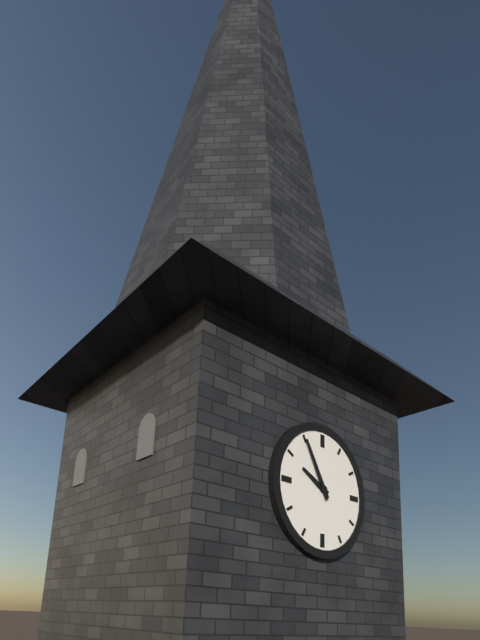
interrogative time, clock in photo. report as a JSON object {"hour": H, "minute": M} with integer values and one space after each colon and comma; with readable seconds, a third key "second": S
{"hour": 9, "minute": 55}
